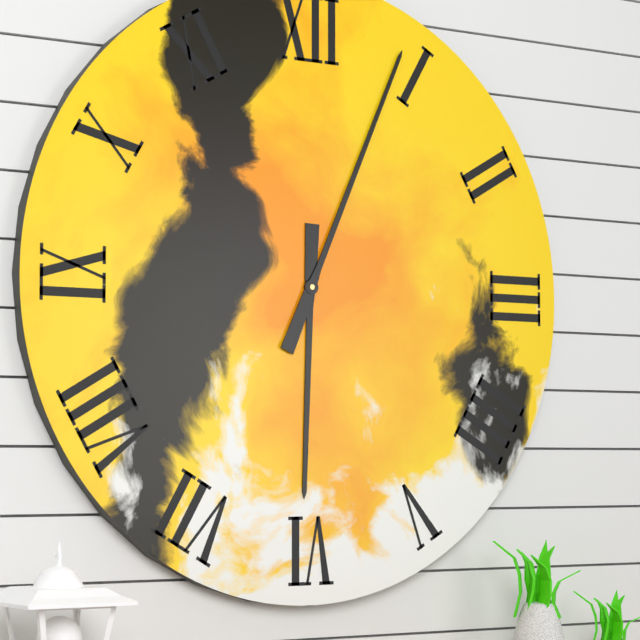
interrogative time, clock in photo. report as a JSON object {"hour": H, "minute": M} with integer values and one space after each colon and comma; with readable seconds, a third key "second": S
{"hour": 6, "minute": 4}
